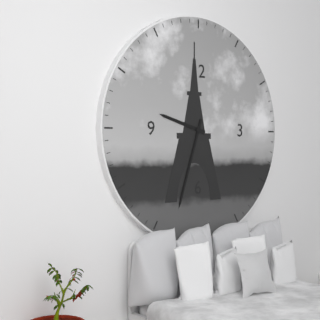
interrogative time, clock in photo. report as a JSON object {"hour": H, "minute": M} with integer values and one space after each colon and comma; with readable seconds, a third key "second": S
{"hour": 9, "minute": 33}
